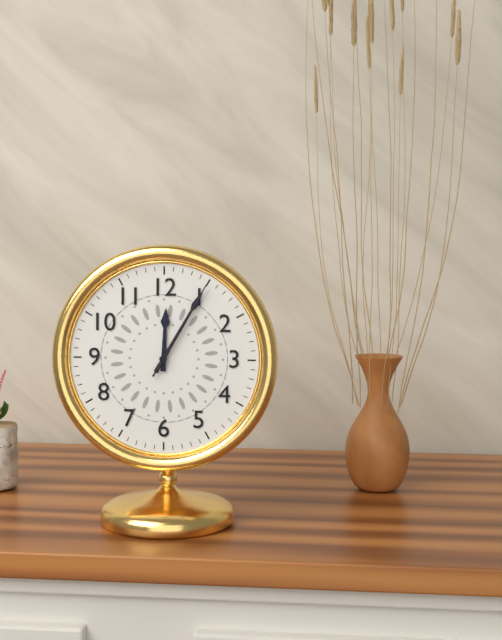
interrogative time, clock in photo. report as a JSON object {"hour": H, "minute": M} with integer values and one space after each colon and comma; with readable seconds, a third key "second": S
{"hour": 12, "minute": 5, "second": 5}
